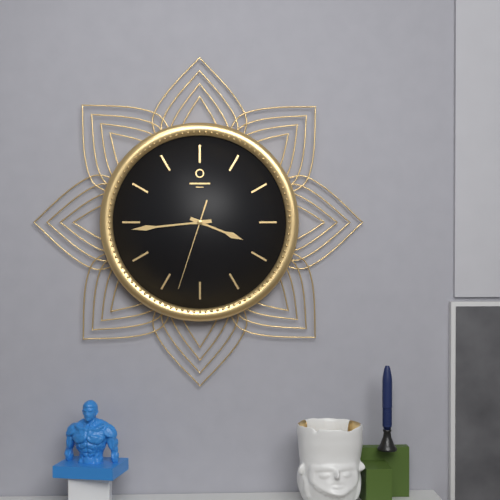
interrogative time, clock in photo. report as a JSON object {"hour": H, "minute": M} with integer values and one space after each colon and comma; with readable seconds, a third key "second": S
{"hour": 3, "minute": 44, "second": 33}
